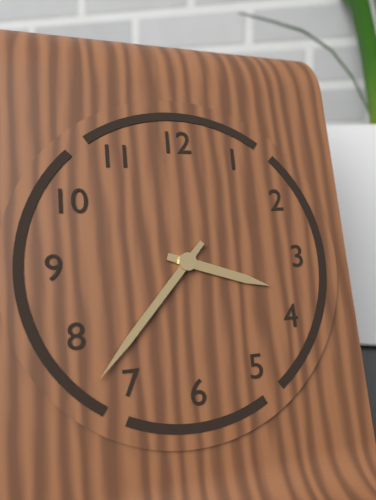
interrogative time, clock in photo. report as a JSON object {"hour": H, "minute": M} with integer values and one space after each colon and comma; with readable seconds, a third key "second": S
{"hour": 3, "minute": 37}
